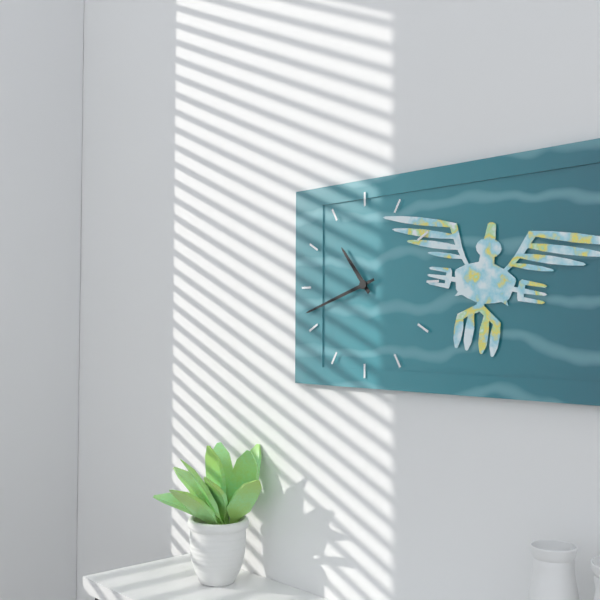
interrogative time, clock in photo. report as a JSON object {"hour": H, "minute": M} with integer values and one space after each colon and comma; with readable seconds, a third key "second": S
{"hour": 10, "minute": 42}
